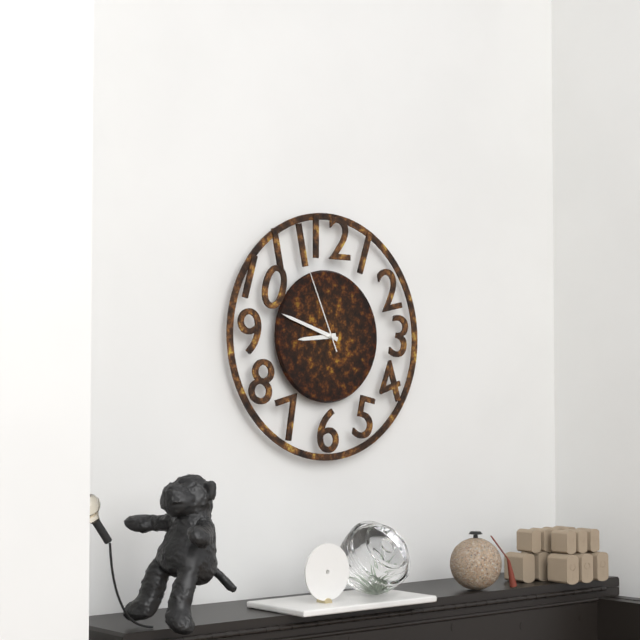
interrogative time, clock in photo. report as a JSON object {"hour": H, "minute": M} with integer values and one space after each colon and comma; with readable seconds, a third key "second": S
{"hour": 8, "minute": 48, "second": 56}
